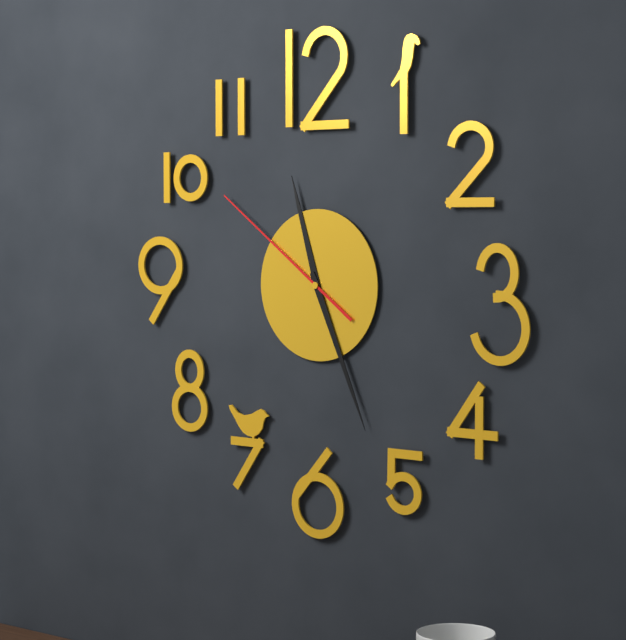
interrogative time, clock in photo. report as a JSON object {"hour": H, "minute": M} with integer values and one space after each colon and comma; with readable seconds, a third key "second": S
{"hour": 11, "minute": 26, "second": 51}
